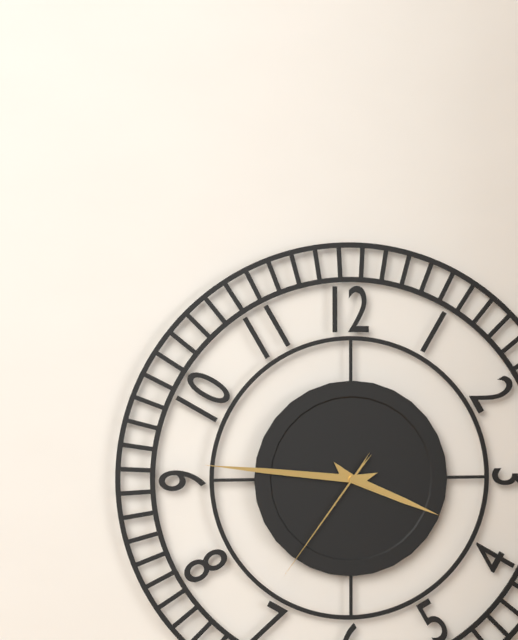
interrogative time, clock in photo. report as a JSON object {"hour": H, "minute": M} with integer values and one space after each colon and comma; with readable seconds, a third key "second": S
{"hour": 3, "minute": 46, "second": 36}
